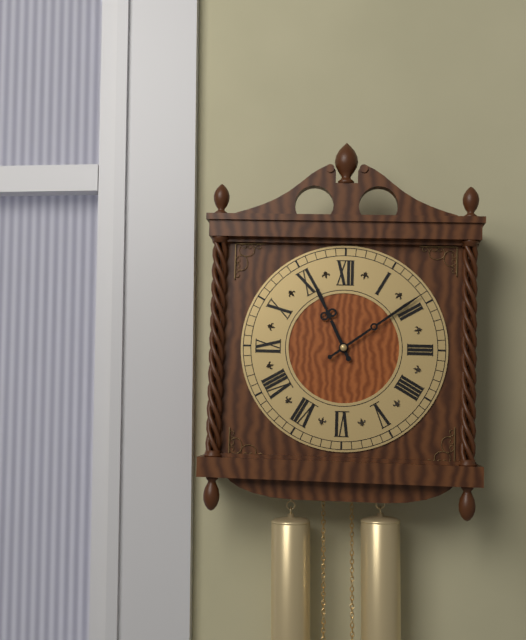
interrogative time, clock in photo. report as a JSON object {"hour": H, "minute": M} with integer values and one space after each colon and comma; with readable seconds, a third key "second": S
{"hour": 11, "minute": 9}
